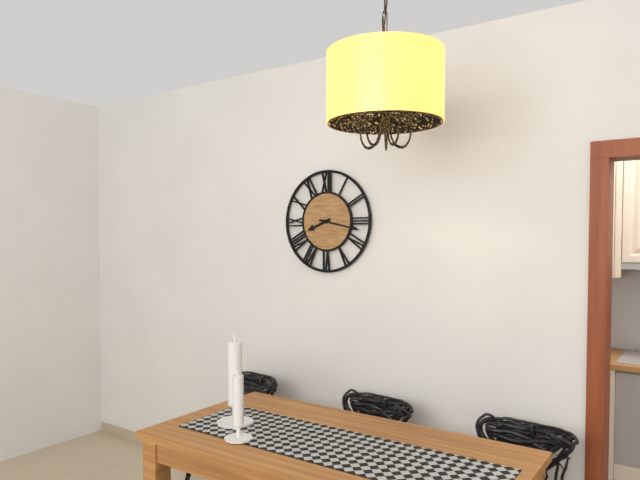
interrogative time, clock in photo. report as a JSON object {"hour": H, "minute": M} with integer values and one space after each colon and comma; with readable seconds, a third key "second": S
{"hour": 8, "minute": 17}
